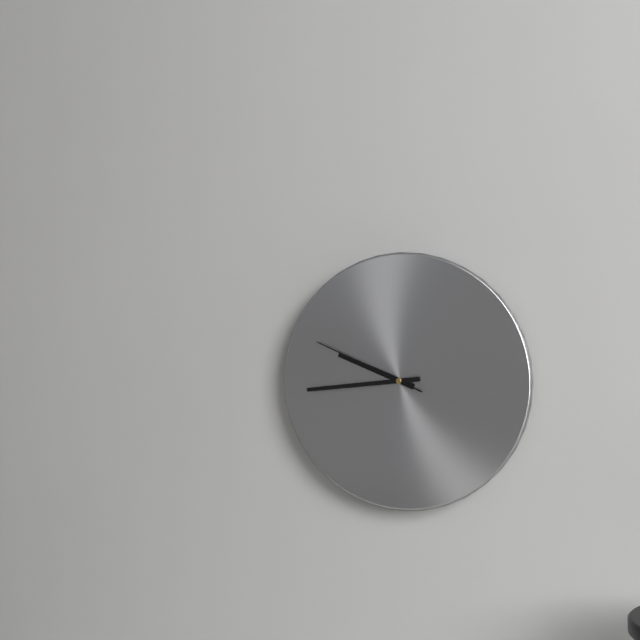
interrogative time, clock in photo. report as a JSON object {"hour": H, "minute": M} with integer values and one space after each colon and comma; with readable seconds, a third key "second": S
{"hour": 9, "minute": 44, "second": 49}
